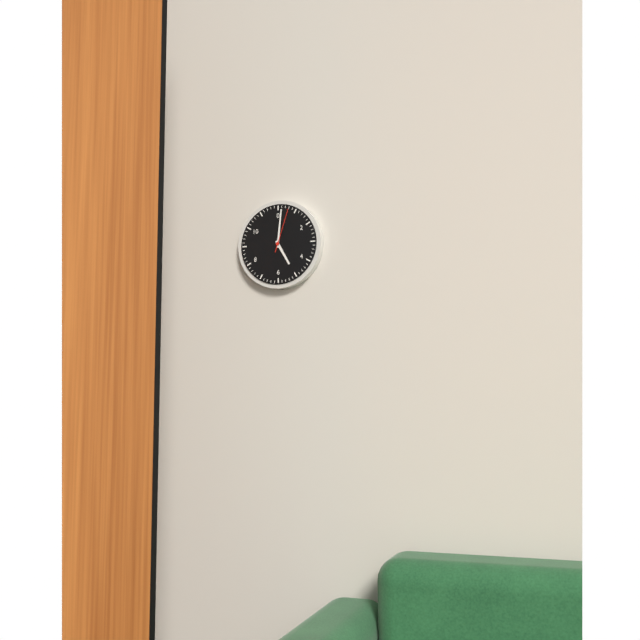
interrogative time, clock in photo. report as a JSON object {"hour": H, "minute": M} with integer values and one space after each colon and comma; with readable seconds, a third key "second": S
{"hour": 5, "minute": 1}
